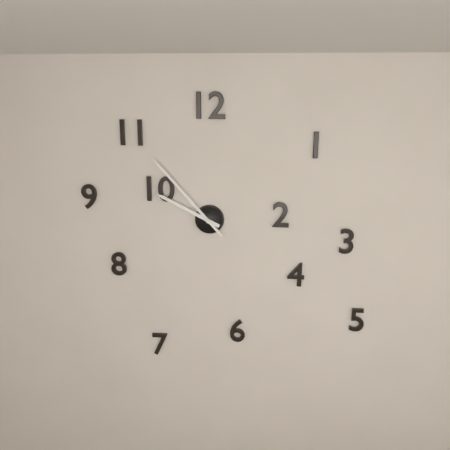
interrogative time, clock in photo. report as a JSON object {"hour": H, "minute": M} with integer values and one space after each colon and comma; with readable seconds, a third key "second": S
{"hour": 9, "minute": 53}
